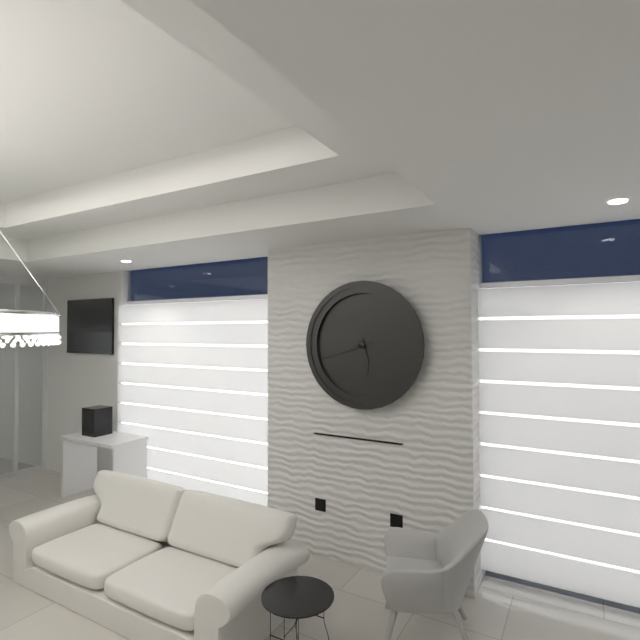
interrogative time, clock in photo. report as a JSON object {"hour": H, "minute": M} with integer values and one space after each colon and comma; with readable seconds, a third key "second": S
{"hour": 5, "minute": 42}
